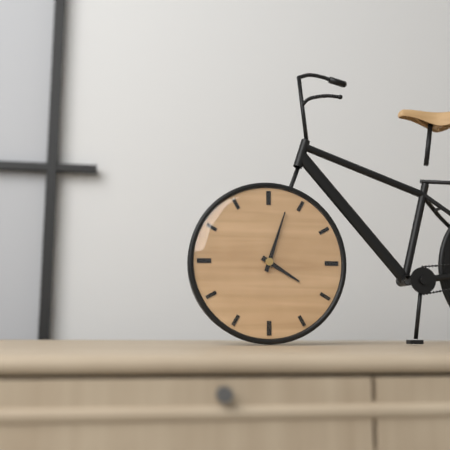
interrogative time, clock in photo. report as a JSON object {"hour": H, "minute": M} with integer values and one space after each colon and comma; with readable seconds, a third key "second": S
{"hour": 4, "minute": 3}
